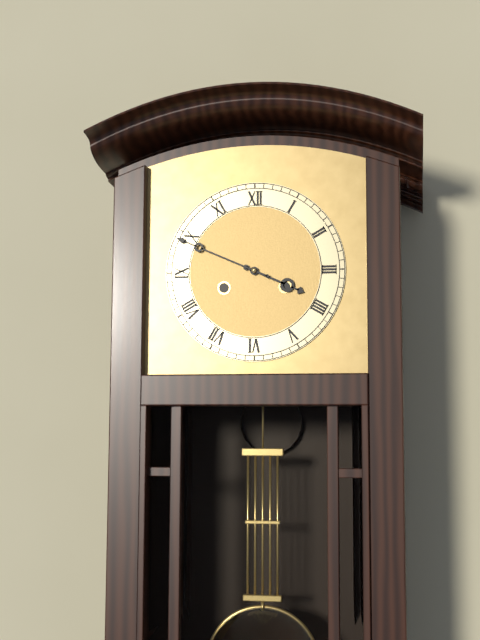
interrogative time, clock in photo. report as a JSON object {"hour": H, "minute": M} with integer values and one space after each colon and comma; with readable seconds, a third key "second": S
{"hour": 3, "minute": 49}
